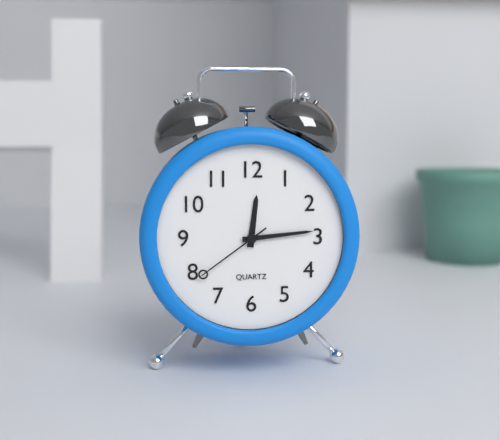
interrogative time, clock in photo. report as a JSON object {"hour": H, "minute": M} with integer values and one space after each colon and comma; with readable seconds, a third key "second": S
{"hour": 12, "minute": 14, "second": 39}
